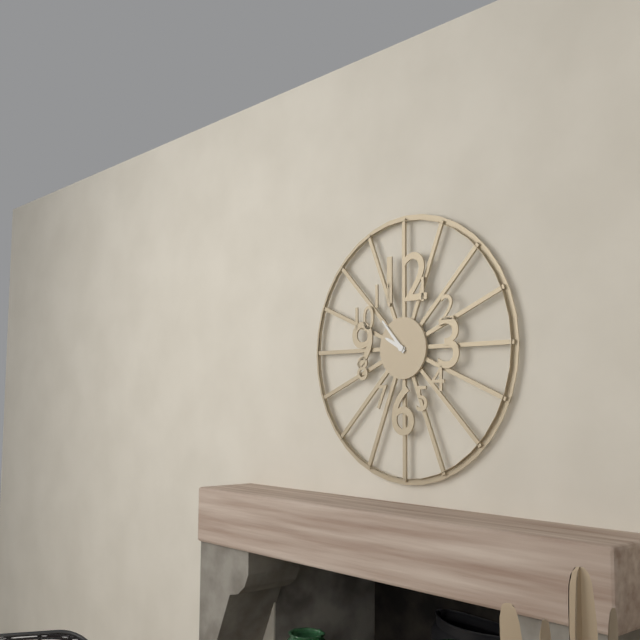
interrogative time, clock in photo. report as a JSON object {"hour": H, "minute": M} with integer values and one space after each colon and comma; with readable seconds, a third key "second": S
{"hour": 9, "minute": 53}
